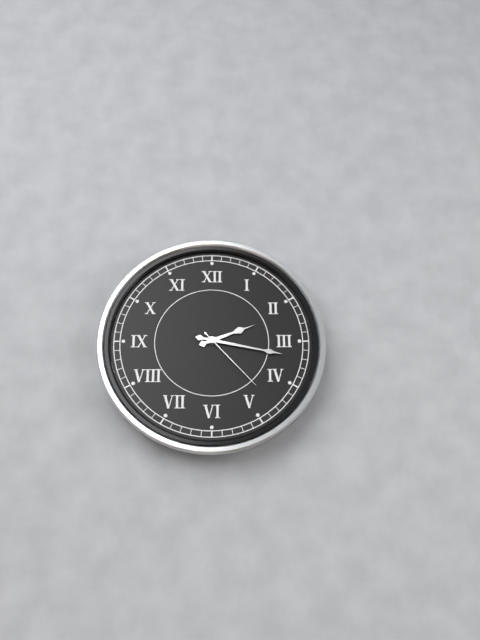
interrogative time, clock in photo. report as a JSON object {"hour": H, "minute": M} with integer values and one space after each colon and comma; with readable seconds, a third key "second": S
{"hour": 2, "minute": 17, "second": 23}
